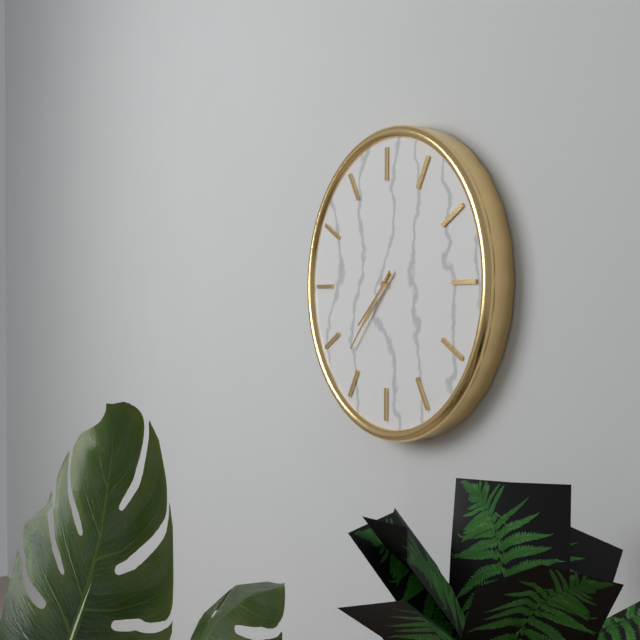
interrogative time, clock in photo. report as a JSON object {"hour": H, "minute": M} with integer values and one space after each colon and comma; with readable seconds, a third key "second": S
{"hour": 7, "minute": 37}
